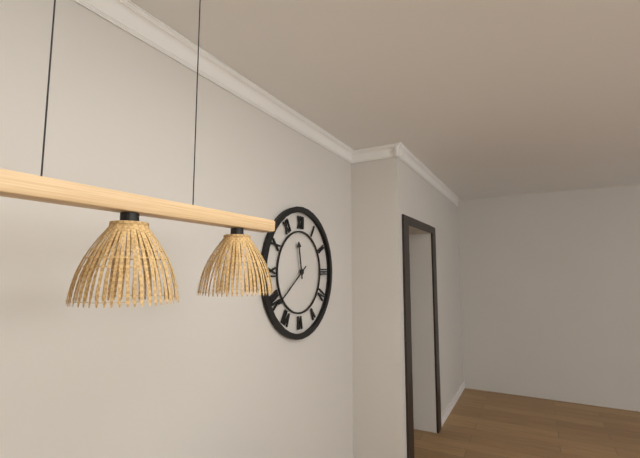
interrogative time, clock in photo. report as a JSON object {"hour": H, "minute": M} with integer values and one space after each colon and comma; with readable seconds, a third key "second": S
{"hour": 11, "minute": 39}
